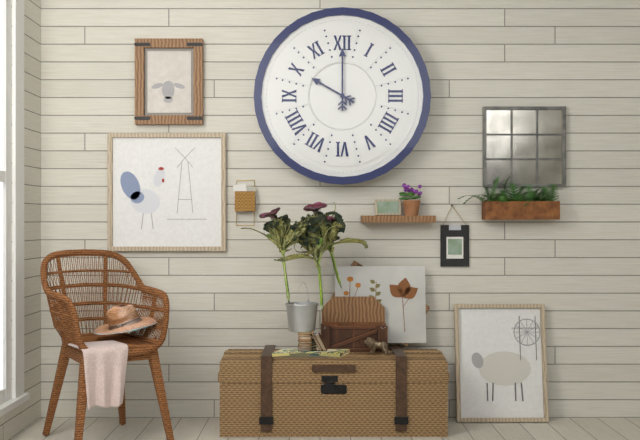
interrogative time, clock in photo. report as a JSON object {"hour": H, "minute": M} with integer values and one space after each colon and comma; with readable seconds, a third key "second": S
{"hour": 10, "minute": 0}
